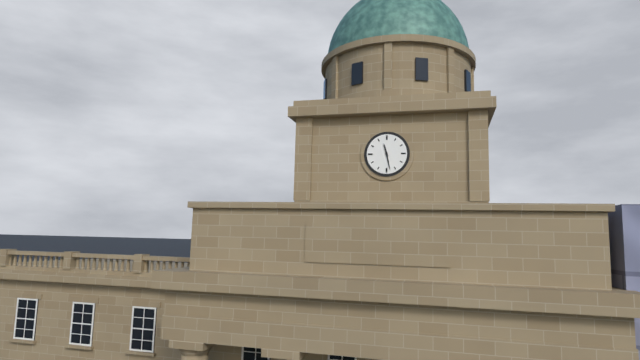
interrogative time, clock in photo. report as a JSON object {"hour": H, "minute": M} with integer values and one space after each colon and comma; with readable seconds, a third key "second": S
{"hour": 11, "minute": 28}
